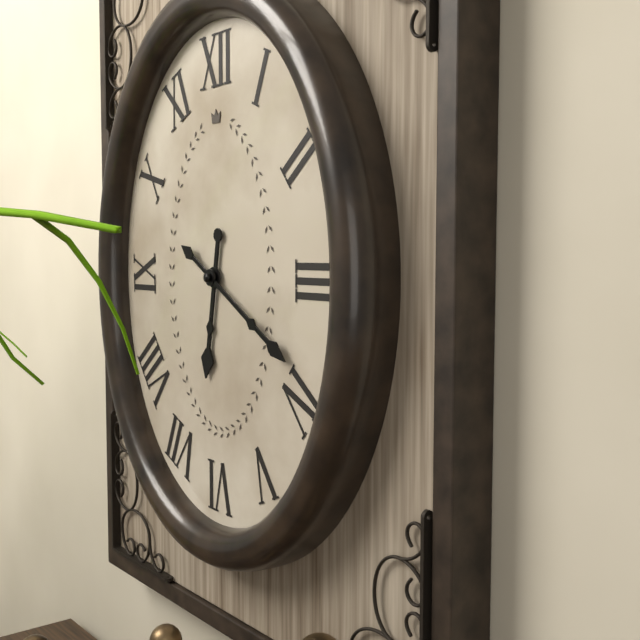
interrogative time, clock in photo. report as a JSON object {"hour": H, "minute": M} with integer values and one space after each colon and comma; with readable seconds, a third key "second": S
{"hour": 6, "minute": 20}
